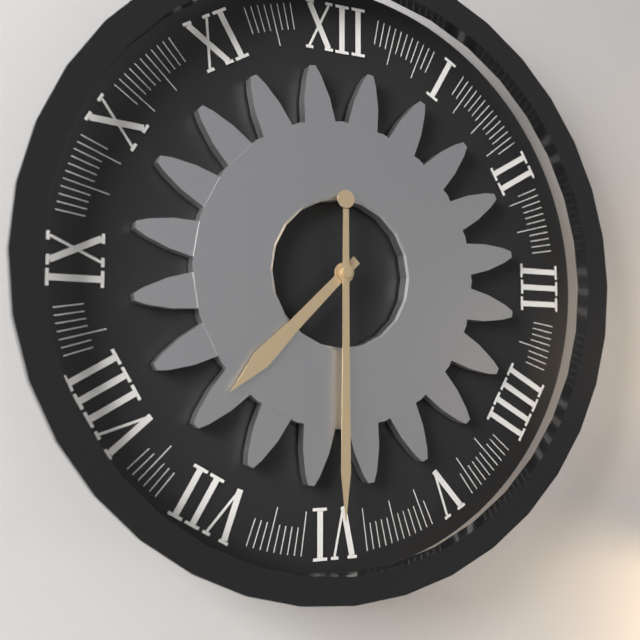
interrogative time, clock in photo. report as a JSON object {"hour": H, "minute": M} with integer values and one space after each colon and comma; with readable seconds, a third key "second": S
{"hour": 7, "minute": 30}
